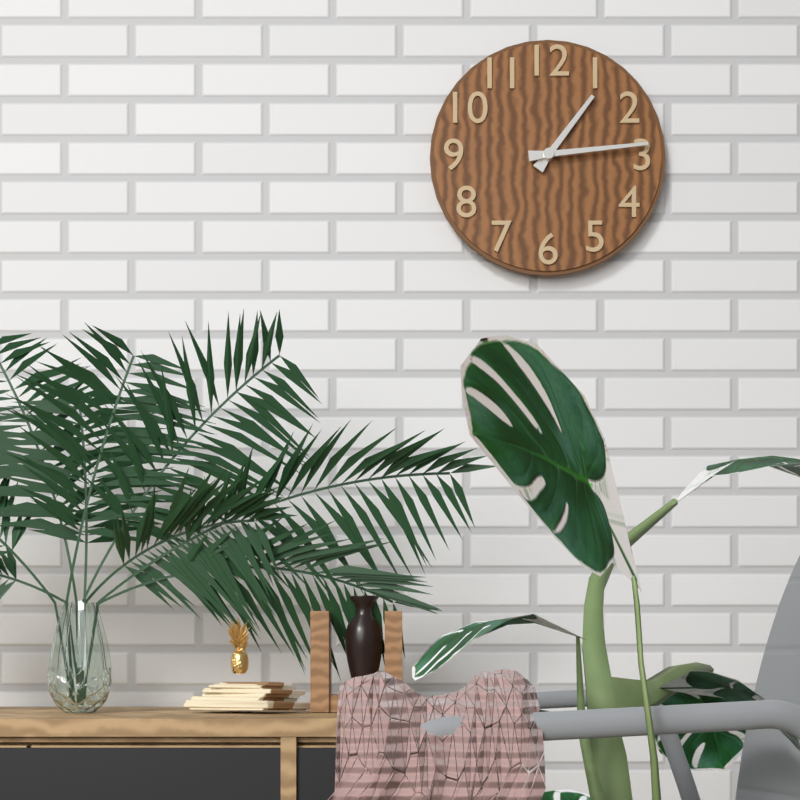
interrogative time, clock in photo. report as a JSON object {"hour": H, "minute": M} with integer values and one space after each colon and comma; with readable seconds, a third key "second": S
{"hour": 1, "minute": 14}
